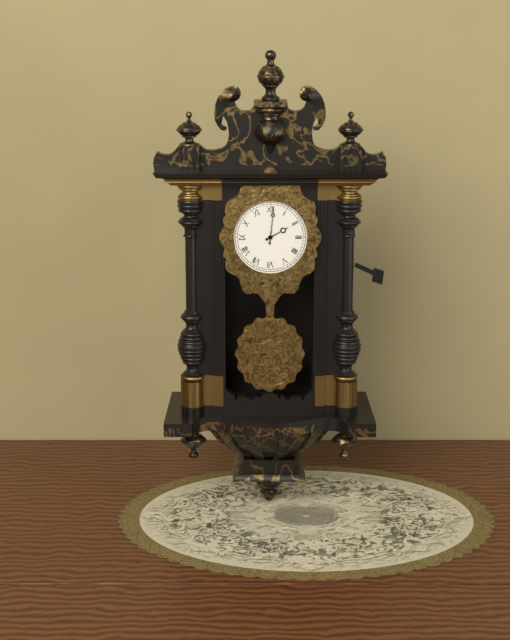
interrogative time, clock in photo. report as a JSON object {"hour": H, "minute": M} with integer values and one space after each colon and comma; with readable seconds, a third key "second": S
{"hour": 2, "minute": 1}
